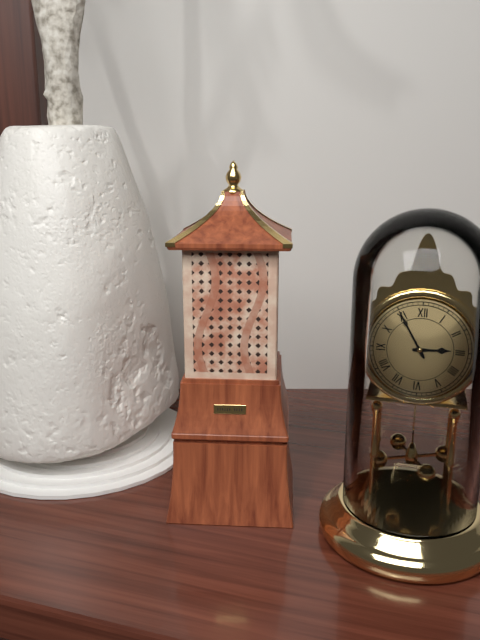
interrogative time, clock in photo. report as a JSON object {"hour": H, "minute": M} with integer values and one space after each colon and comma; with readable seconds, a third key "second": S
{"hour": 2, "minute": 55}
